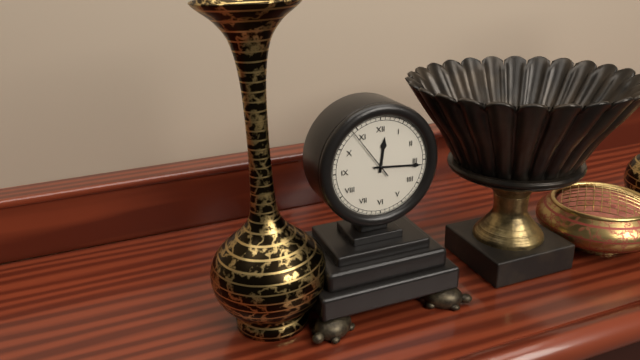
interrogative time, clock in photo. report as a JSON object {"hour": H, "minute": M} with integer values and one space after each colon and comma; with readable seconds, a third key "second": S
{"hour": 12, "minute": 16, "second": 54}
